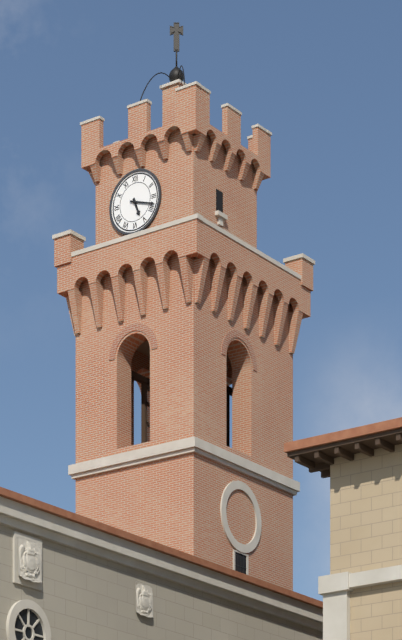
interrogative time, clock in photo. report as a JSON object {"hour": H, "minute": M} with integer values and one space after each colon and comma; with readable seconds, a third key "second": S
{"hour": 5, "minute": 18}
